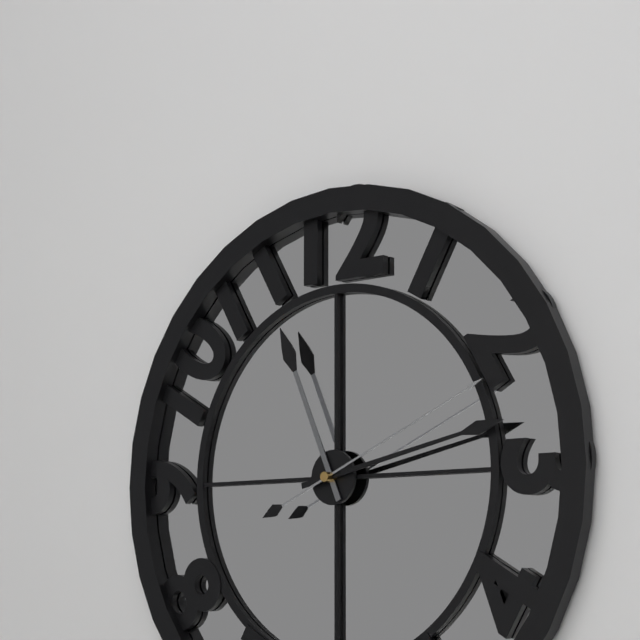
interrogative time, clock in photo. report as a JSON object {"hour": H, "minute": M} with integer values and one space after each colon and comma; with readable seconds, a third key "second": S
{"hour": 11, "minute": 13, "second": 11}
